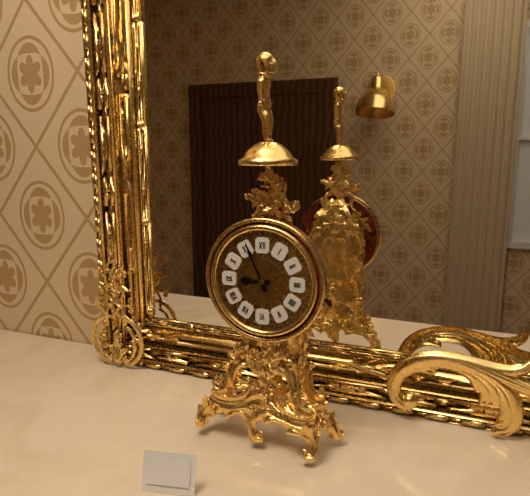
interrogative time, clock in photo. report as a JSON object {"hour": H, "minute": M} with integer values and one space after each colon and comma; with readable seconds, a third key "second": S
{"hour": 8, "minute": 56}
